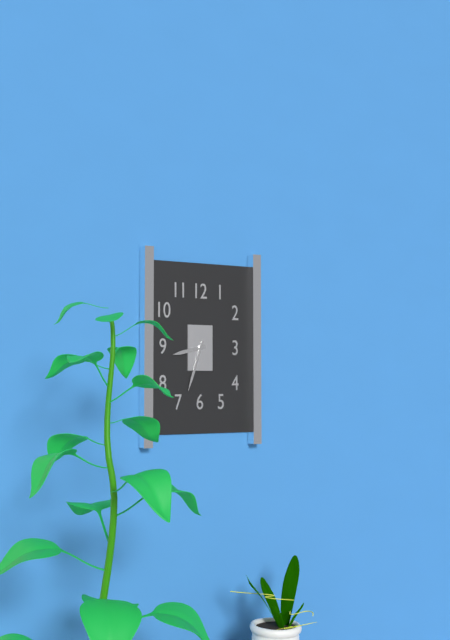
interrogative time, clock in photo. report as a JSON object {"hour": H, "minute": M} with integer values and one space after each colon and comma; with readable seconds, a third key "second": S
{"hour": 8, "minute": 33}
